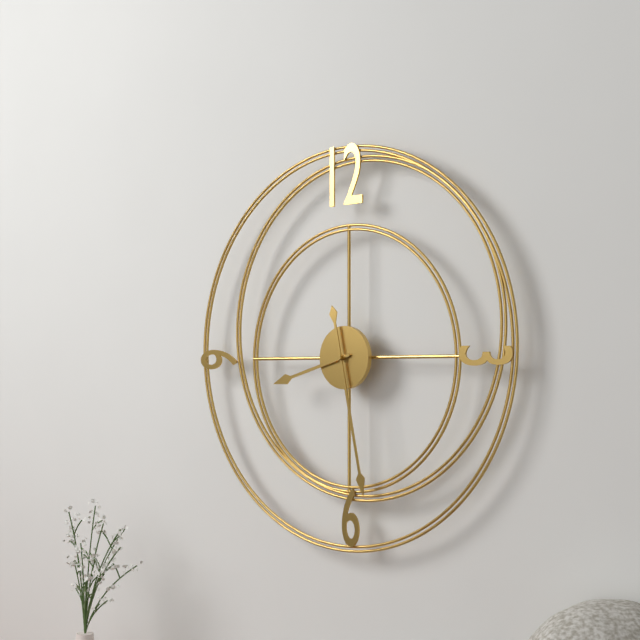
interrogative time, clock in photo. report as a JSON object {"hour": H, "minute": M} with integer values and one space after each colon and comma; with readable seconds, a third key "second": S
{"hour": 8, "minute": 28}
